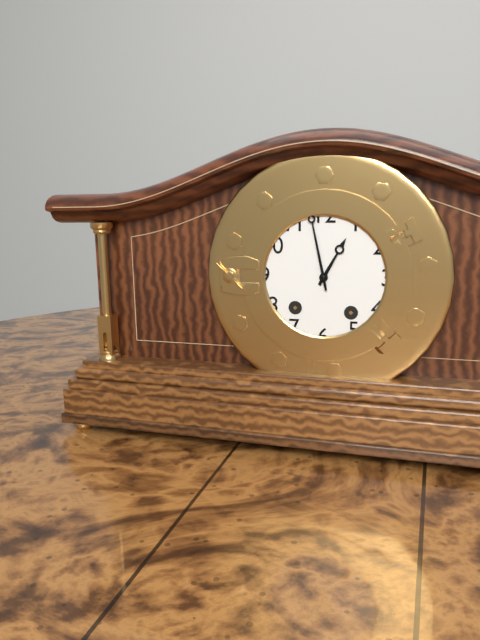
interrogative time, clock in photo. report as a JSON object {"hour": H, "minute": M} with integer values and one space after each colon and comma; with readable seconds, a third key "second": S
{"hour": 12, "minute": 58}
